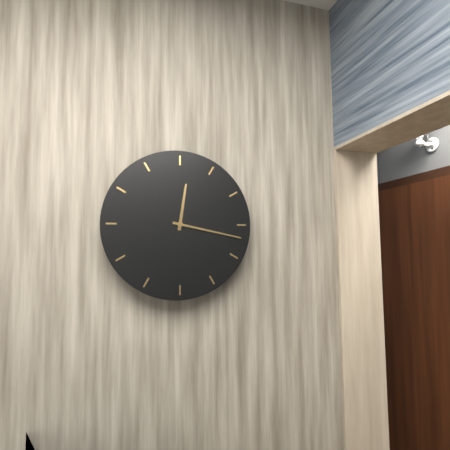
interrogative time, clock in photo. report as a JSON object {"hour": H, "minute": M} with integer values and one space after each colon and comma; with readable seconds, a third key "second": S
{"hour": 12, "minute": 17}
